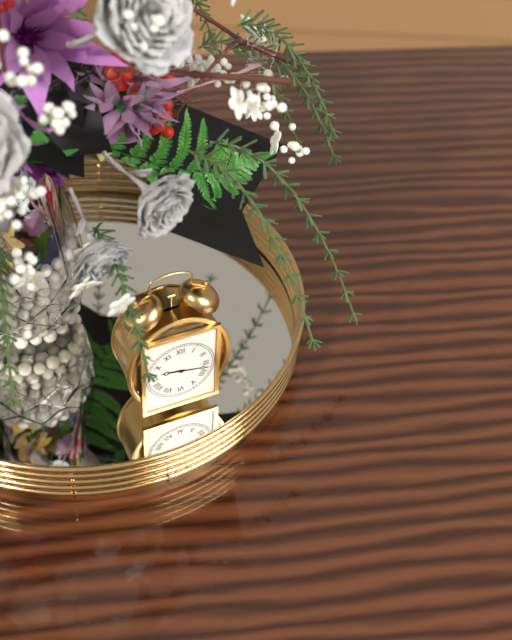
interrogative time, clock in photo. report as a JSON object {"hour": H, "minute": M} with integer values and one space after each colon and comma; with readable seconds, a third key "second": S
{"hour": 9, "minute": 17}
